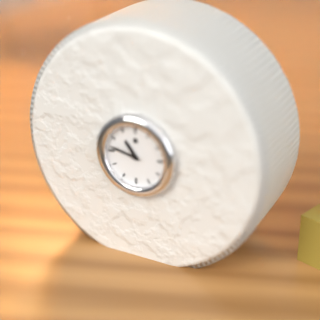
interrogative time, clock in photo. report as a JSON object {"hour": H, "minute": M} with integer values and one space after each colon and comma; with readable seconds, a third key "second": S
{"hour": 10, "minute": 47}
